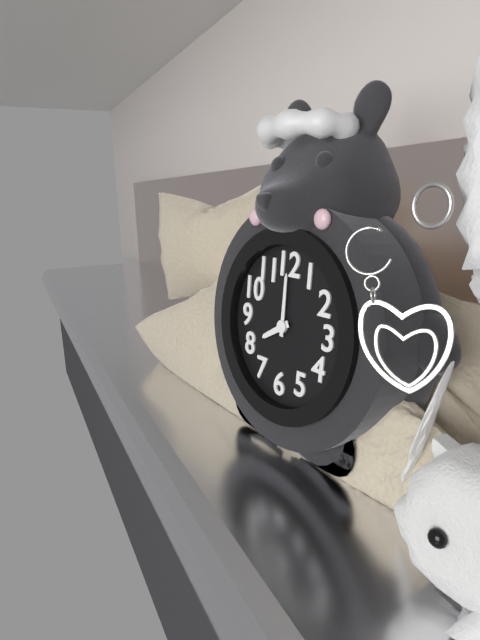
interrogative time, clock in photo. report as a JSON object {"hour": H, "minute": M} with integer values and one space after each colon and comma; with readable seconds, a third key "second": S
{"hour": 8, "minute": 0}
